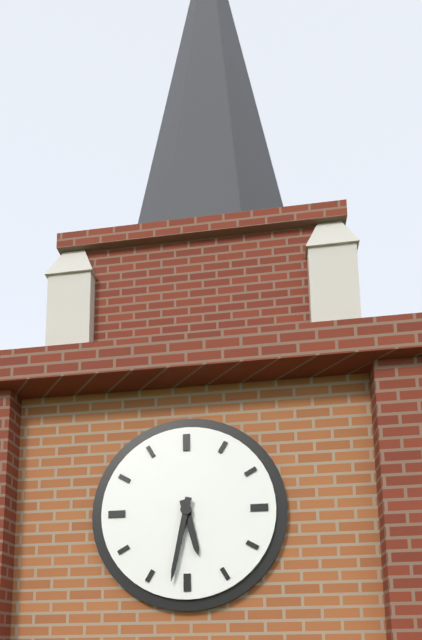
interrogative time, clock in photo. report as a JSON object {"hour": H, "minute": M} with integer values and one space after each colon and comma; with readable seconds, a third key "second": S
{"hour": 5, "minute": 32}
